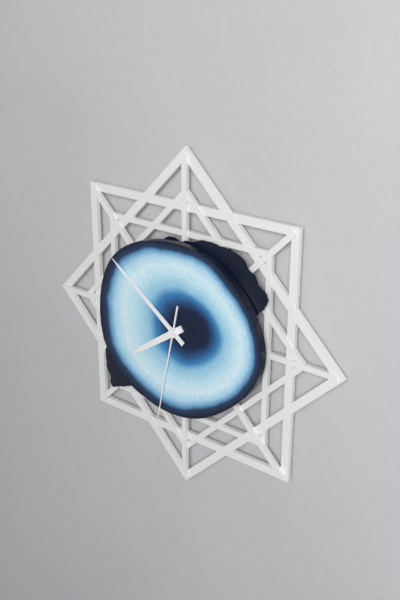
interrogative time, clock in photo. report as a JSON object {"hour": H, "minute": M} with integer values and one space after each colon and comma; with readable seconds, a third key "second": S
{"hour": 7, "minute": 51, "second": 32}
